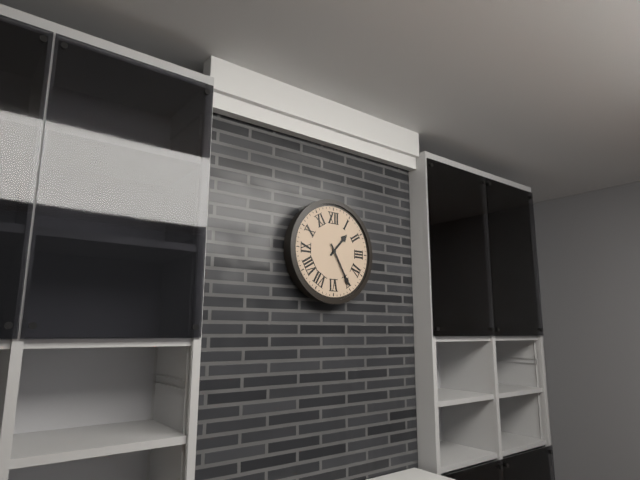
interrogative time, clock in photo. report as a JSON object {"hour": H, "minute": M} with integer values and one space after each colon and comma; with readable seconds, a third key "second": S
{"hour": 1, "minute": 25}
